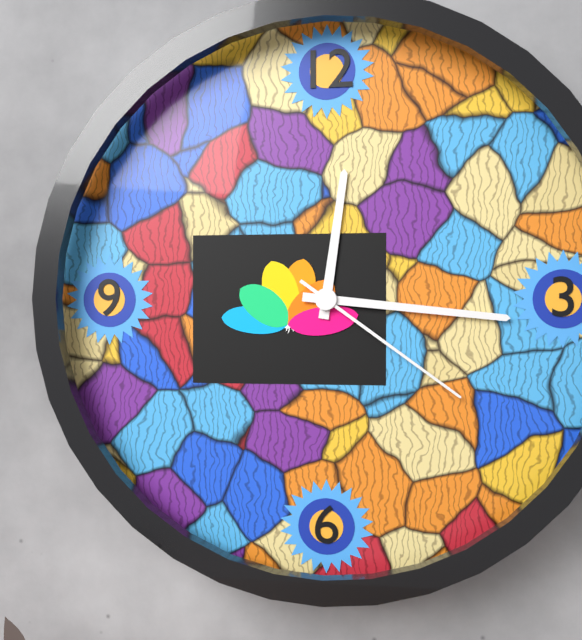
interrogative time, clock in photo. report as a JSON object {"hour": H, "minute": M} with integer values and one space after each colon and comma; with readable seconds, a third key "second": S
{"hour": 12, "minute": 16, "second": 21}
